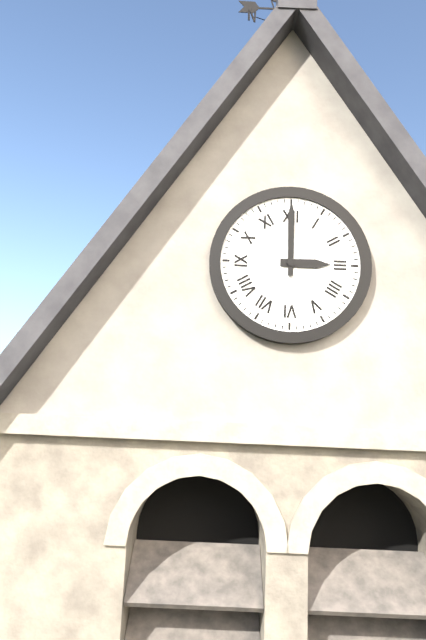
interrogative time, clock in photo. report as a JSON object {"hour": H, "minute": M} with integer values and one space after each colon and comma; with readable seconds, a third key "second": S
{"hour": 3, "minute": 0}
